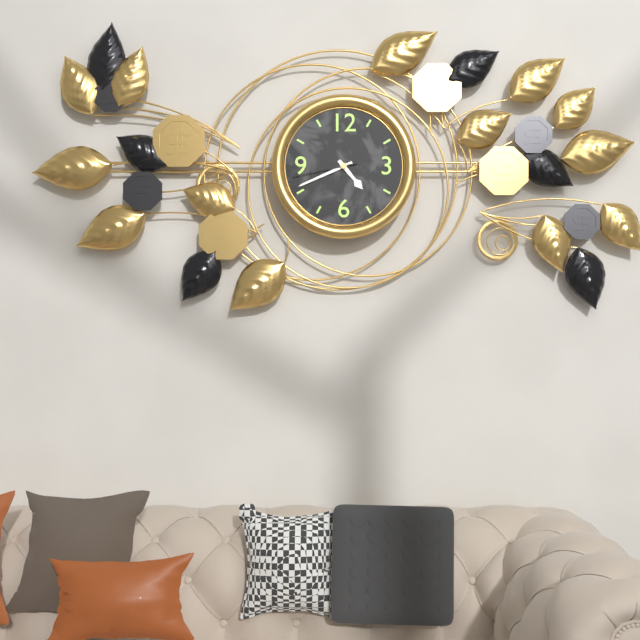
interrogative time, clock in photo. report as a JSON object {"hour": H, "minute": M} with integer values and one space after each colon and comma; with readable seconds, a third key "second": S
{"hour": 4, "minute": 41, "second": 43}
